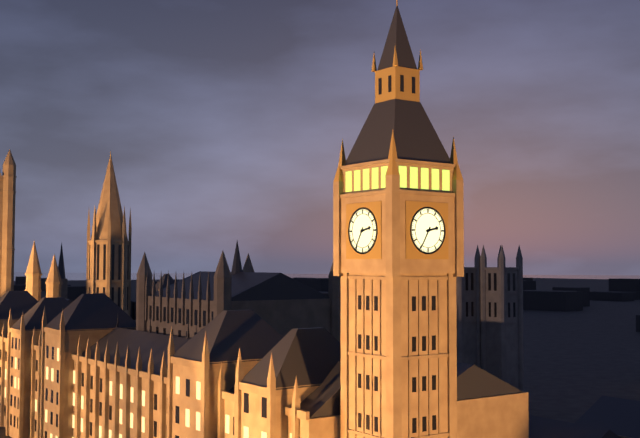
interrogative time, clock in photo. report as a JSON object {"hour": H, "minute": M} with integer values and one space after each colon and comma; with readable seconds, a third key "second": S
{"hour": 2, "minute": 35}
